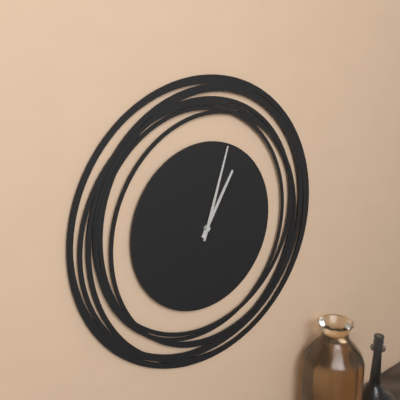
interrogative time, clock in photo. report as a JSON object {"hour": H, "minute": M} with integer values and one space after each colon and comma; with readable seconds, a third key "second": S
{"hour": 1, "minute": 3}
